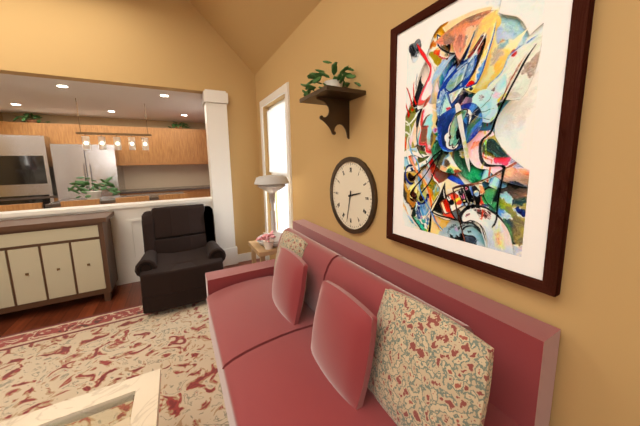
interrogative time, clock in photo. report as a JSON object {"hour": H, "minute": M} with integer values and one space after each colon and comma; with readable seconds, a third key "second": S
{"hour": 2, "minute": 32}
